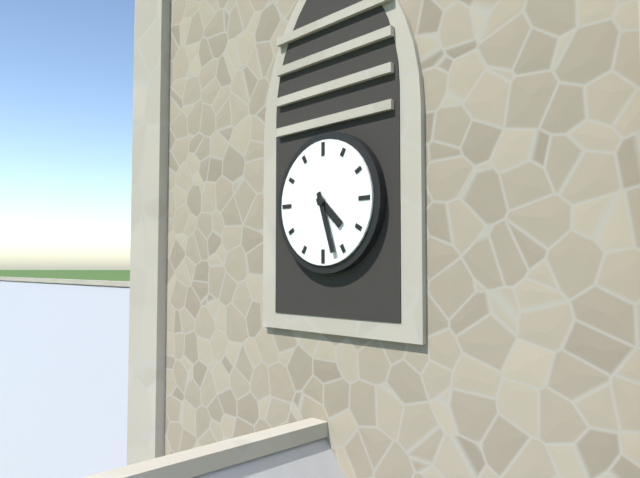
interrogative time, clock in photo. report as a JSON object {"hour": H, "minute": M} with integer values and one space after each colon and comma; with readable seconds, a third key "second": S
{"hour": 4, "minute": 27}
